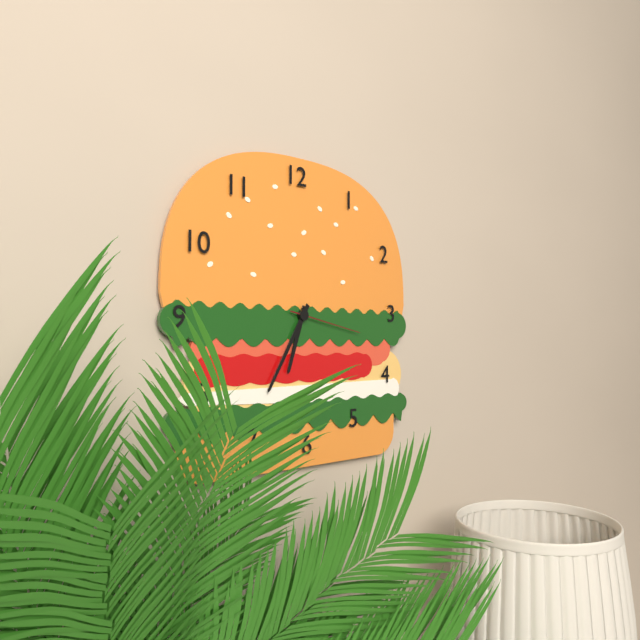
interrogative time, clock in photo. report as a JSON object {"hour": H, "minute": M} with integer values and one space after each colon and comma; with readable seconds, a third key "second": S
{"hour": 6, "minute": 35, "second": 17}
